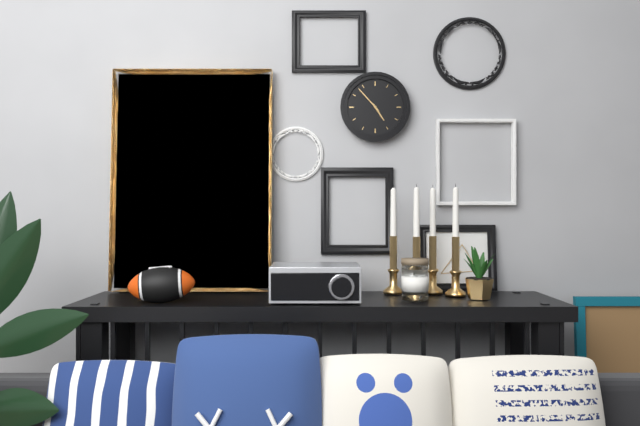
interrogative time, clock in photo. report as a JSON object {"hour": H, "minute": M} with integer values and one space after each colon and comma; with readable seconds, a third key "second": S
{"hour": 4, "minute": 53}
